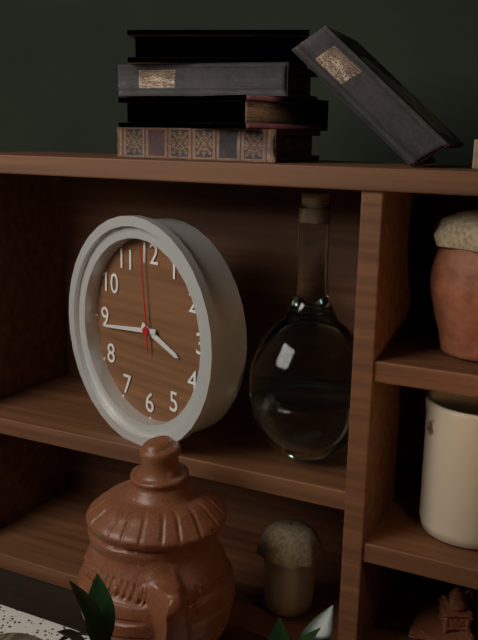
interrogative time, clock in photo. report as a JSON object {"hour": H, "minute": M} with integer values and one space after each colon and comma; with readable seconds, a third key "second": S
{"hour": 3, "minute": 44, "second": 59}
